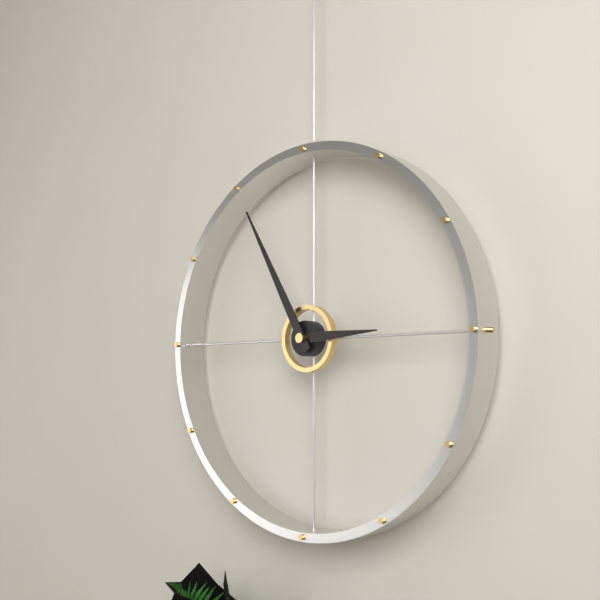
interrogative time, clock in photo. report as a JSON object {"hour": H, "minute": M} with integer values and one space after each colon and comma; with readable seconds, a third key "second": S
{"hour": 2, "minute": 55}
